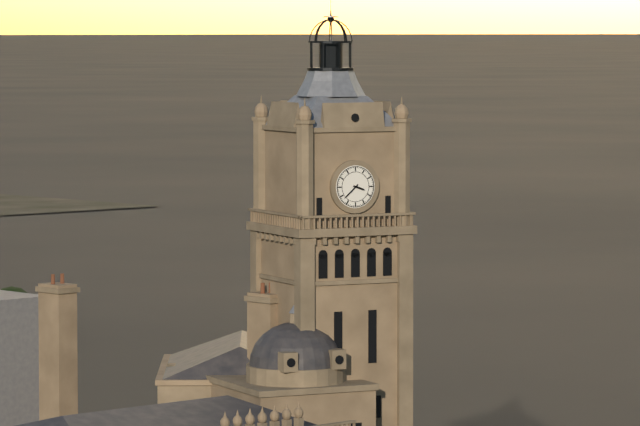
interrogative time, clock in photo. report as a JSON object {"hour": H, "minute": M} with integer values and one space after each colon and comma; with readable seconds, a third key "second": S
{"hour": 3, "minute": 38}
